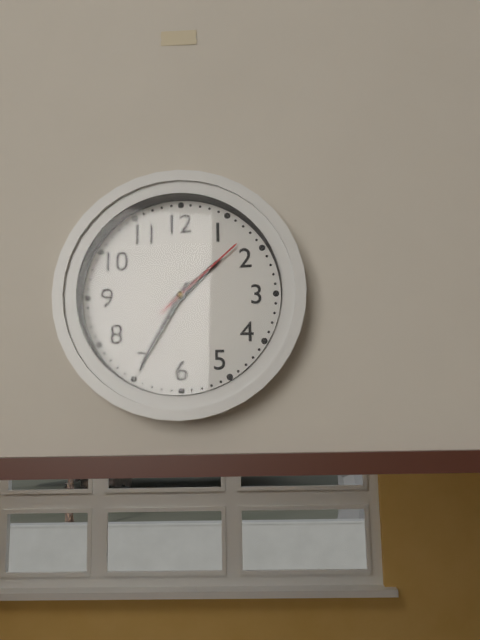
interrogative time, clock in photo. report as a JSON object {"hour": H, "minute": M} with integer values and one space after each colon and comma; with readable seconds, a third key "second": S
{"hour": 1, "minute": 35, "second": 8}
